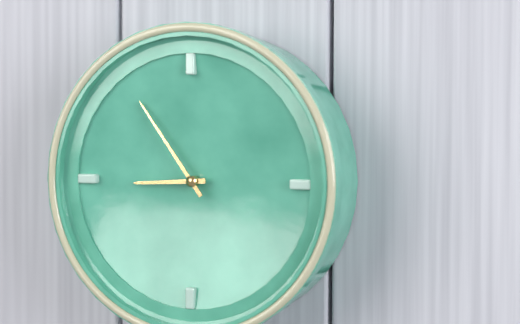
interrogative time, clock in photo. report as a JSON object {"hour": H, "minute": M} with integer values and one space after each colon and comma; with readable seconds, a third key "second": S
{"hour": 8, "minute": 54}
